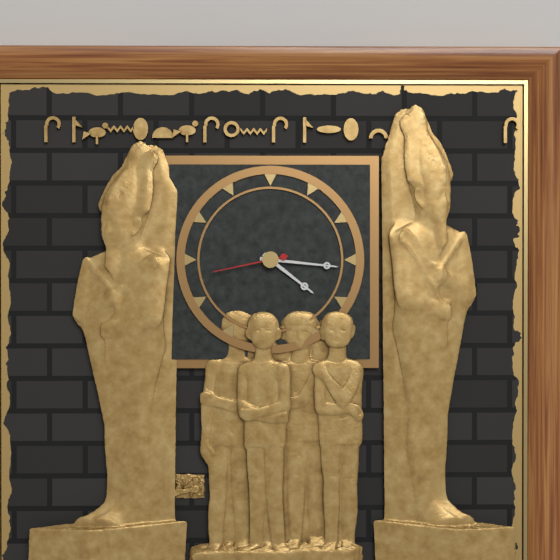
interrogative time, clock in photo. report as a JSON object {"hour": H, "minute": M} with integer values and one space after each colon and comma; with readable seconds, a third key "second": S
{"hour": 4, "minute": 16, "second": 43}
